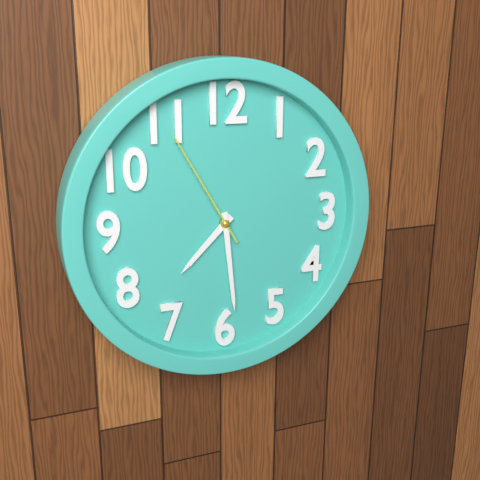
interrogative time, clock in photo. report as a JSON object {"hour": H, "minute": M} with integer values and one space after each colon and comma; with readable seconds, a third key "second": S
{"hour": 7, "minute": 29, "second": 55}
